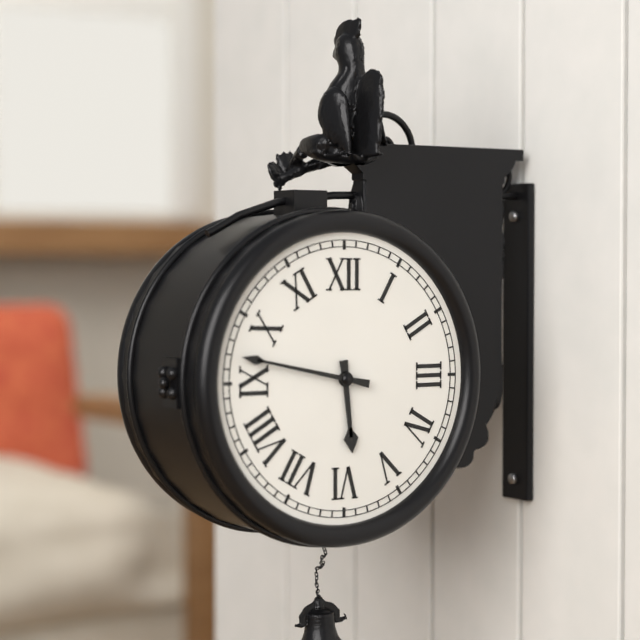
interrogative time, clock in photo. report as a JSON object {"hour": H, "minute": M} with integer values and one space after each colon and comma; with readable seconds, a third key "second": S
{"hour": 5, "minute": 47}
